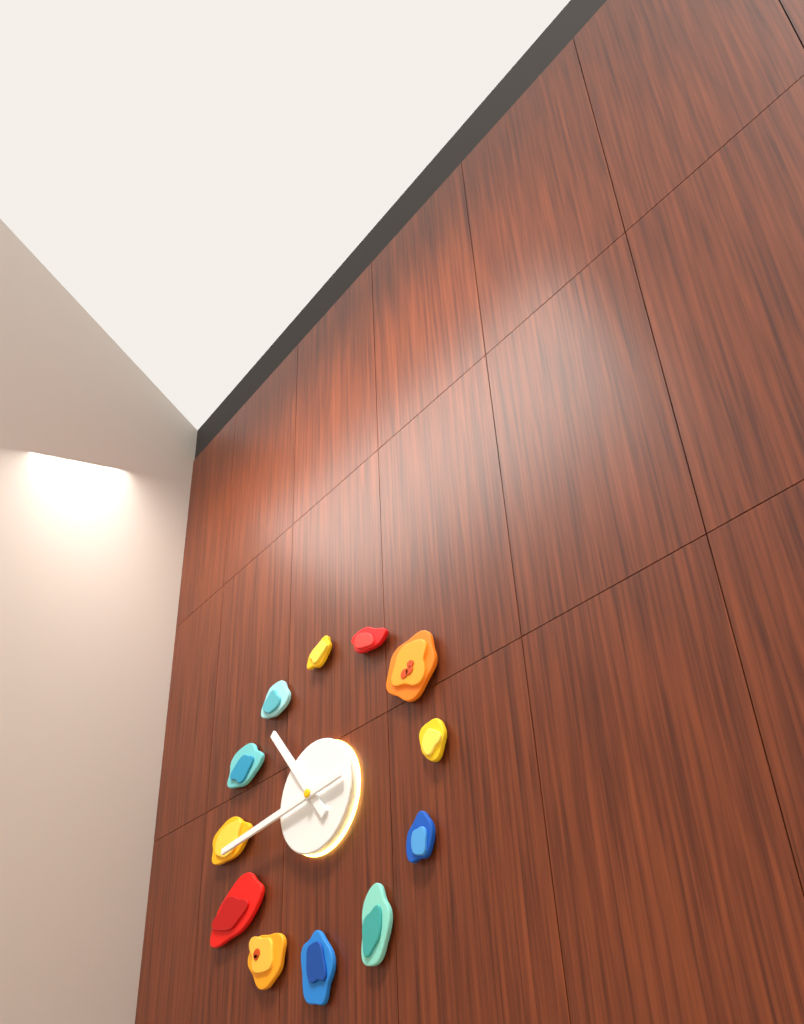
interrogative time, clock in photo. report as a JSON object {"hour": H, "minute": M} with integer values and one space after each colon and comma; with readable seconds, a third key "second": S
{"hour": 10, "minute": 44}
